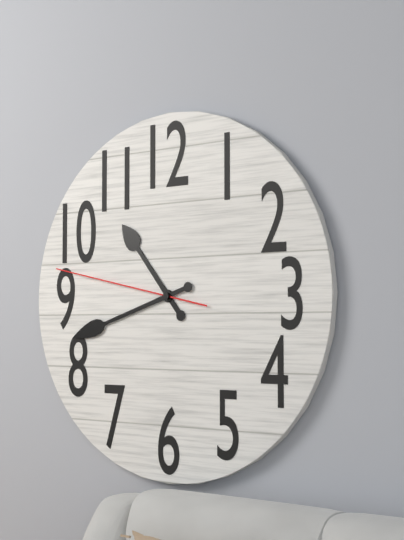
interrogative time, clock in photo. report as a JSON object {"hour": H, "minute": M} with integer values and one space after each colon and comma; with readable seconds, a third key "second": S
{"hour": 10, "minute": 42, "second": 47}
